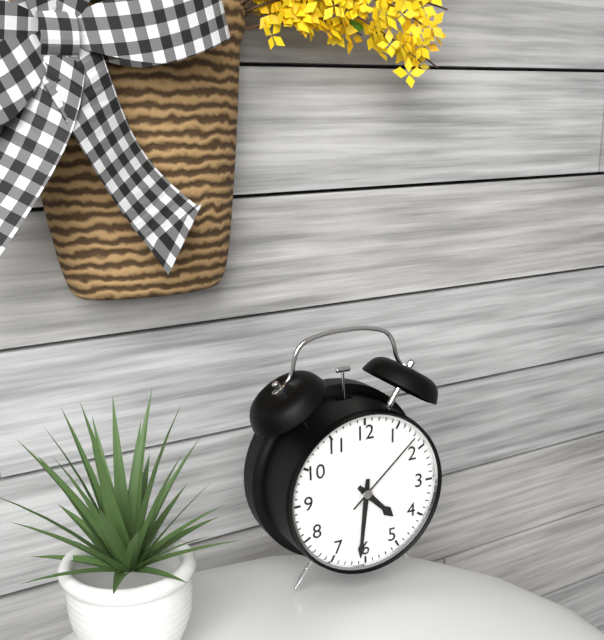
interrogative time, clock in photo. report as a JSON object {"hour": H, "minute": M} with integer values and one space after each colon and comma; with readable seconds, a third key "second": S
{"hour": 4, "minute": 31, "second": 8}
